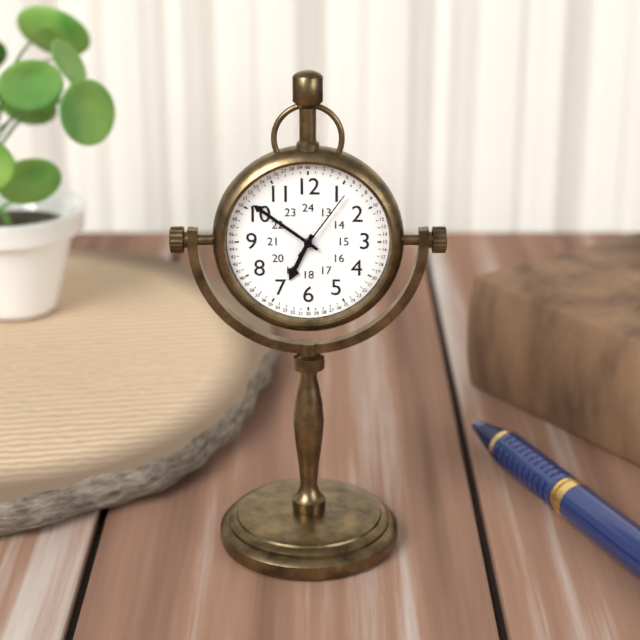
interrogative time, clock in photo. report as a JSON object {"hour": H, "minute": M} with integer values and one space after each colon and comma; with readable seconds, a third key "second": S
{"hour": 6, "minute": 51, "second": 6}
